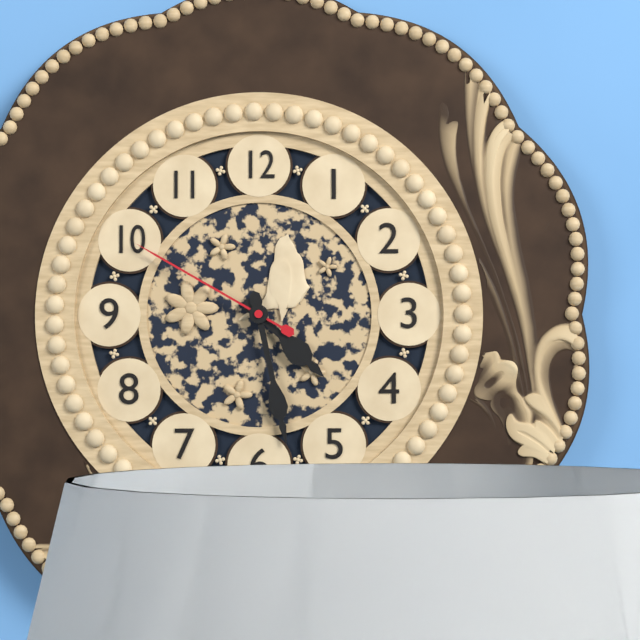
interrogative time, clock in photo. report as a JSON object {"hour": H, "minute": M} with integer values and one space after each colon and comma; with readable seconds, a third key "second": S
{"hour": 4, "minute": 28, "second": 50}
